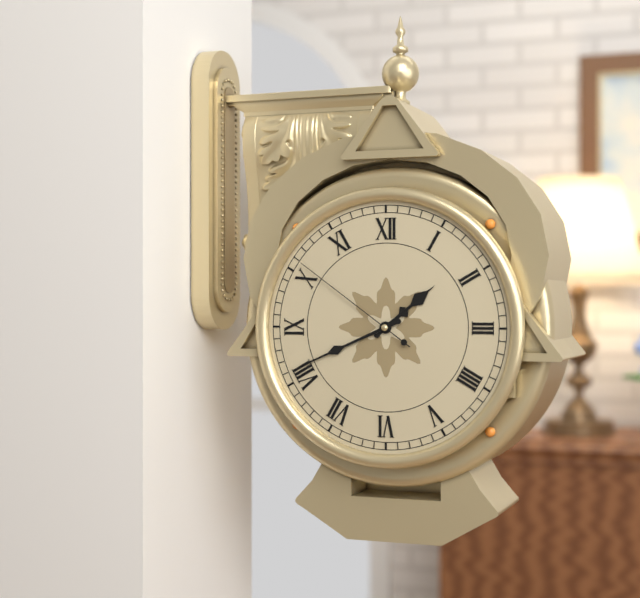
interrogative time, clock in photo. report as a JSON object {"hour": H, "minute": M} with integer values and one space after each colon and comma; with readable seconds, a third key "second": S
{"hour": 1, "minute": 41, "second": 51}
